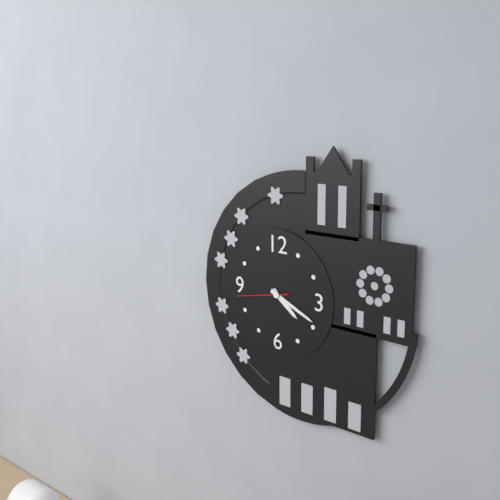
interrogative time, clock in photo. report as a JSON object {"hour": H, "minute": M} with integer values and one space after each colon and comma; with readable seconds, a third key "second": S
{"hour": 4, "minute": 19}
